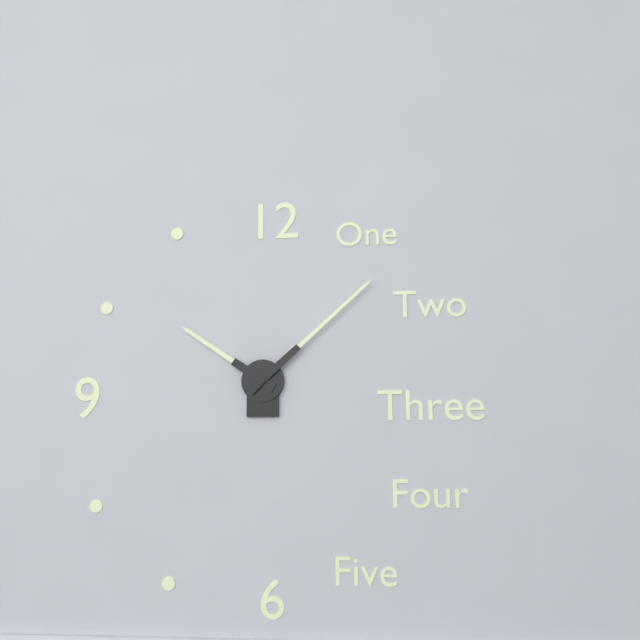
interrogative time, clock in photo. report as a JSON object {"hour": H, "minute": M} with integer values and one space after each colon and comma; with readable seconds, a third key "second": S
{"hour": 10, "minute": 8}
